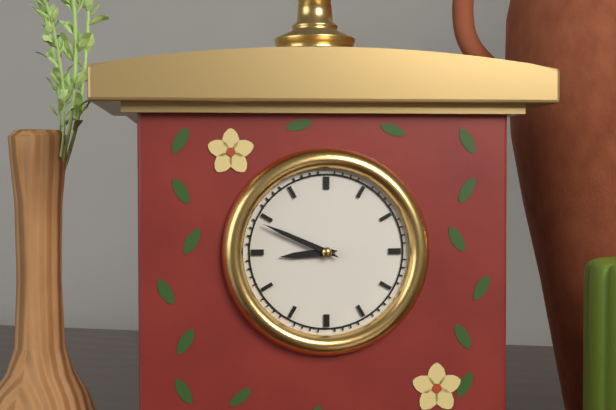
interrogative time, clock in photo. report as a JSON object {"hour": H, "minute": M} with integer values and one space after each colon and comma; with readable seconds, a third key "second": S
{"hour": 8, "minute": 49}
